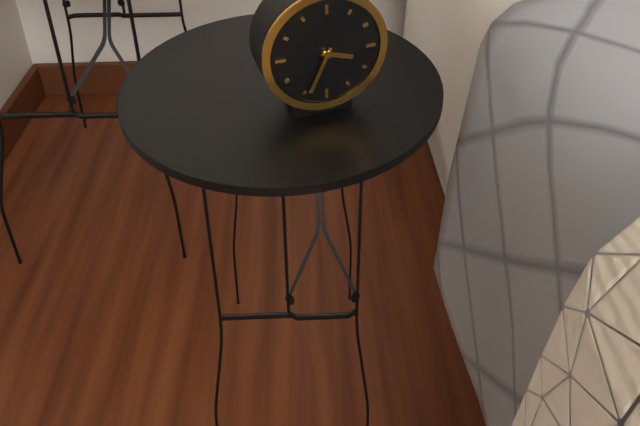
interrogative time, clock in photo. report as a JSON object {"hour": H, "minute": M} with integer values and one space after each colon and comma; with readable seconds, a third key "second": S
{"hour": 3, "minute": 34}
